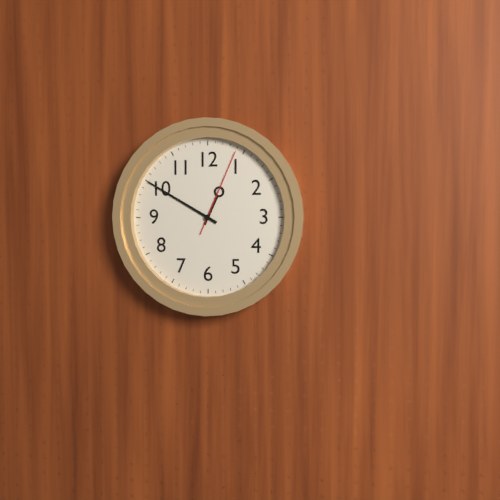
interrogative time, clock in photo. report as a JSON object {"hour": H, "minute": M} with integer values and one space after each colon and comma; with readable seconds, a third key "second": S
{"hour": 12, "minute": 50, "second": 4}
